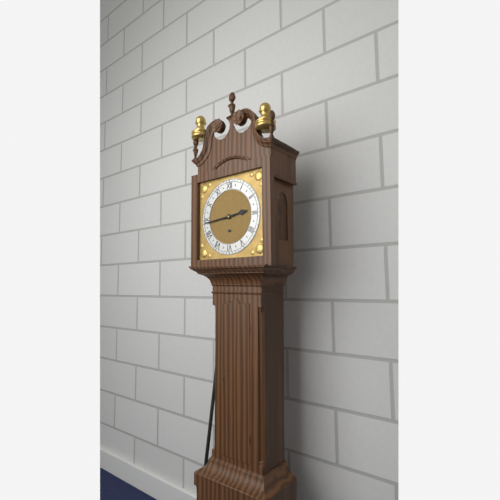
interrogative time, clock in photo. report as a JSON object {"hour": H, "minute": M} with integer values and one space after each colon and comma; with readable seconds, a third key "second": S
{"hour": 2, "minute": 44}
